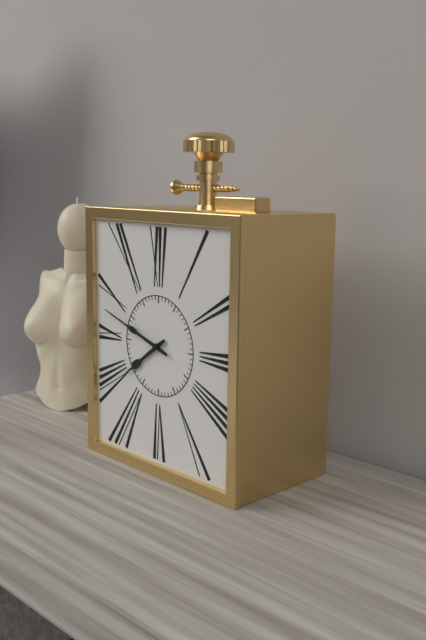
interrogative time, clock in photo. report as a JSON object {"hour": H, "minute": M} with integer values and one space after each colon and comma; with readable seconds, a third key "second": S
{"hour": 7, "minute": 48}
